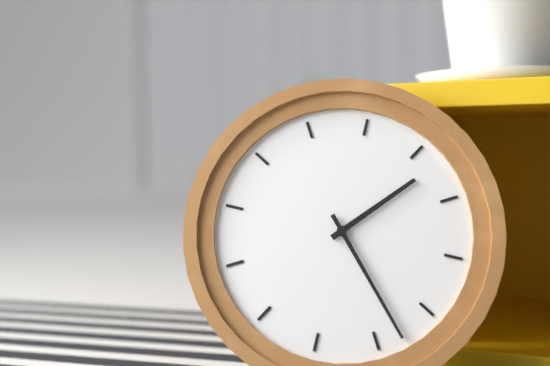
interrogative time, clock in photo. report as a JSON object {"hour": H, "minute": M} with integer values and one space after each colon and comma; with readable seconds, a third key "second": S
{"hour": 1, "minute": 23}
